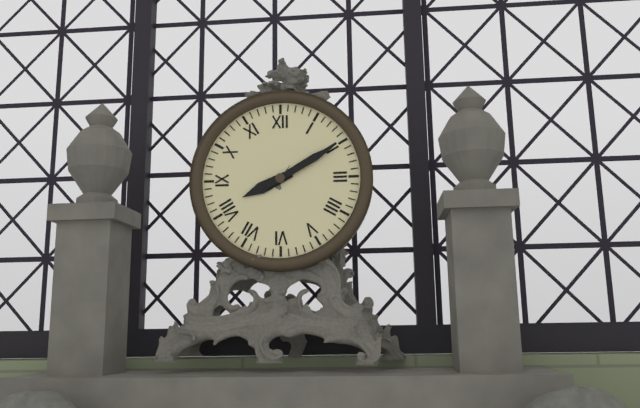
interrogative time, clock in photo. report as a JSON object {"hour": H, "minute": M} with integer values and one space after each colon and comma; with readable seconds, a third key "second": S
{"hour": 8, "minute": 10}
